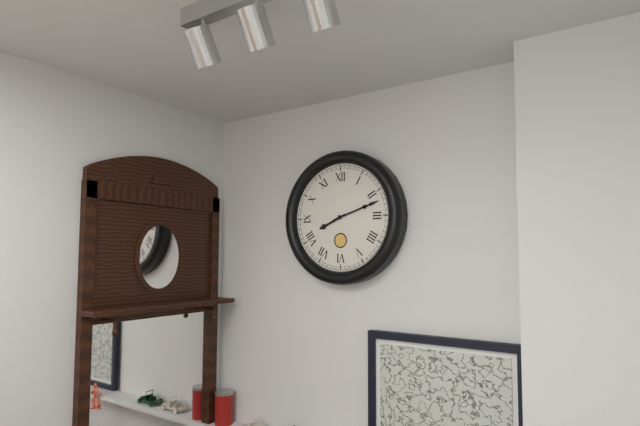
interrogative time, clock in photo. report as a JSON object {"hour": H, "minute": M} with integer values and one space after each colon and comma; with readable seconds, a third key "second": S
{"hour": 8, "minute": 12}
